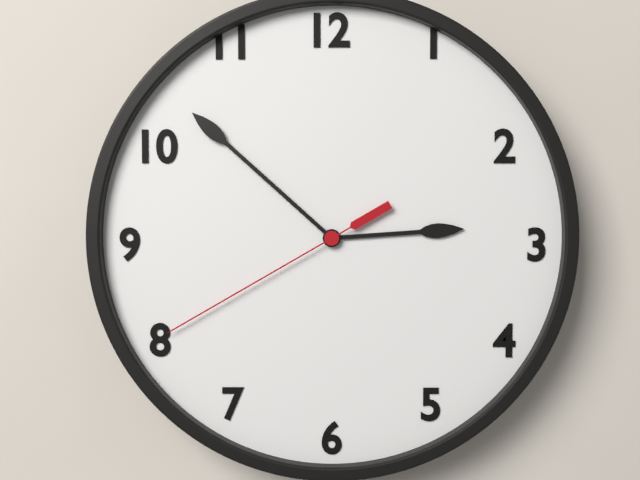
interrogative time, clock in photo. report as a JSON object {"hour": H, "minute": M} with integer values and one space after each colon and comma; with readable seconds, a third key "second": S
{"hour": 2, "minute": 52, "second": 40}
